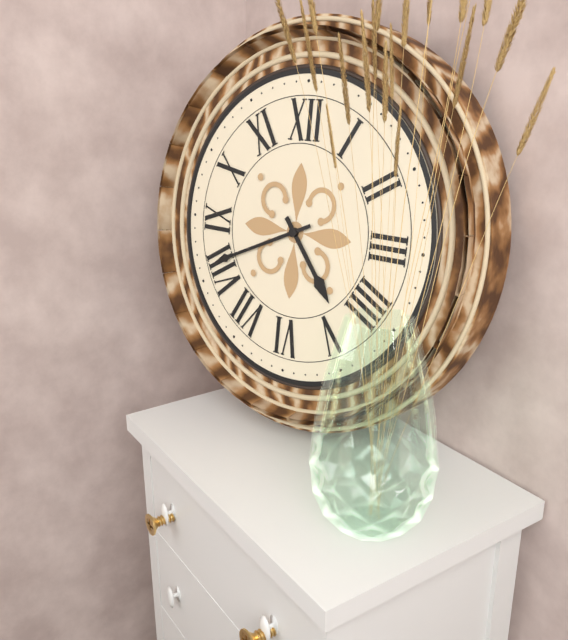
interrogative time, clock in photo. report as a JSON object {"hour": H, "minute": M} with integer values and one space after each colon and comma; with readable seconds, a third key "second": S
{"hour": 4, "minute": 41}
